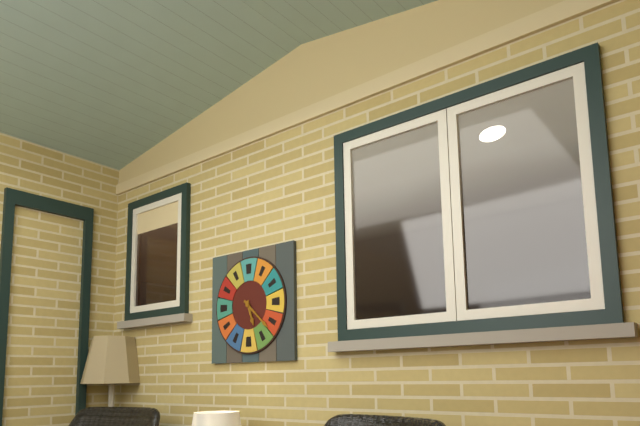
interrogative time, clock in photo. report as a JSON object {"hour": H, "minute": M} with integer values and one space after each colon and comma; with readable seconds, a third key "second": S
{"hour": 5, "minute": 22}
